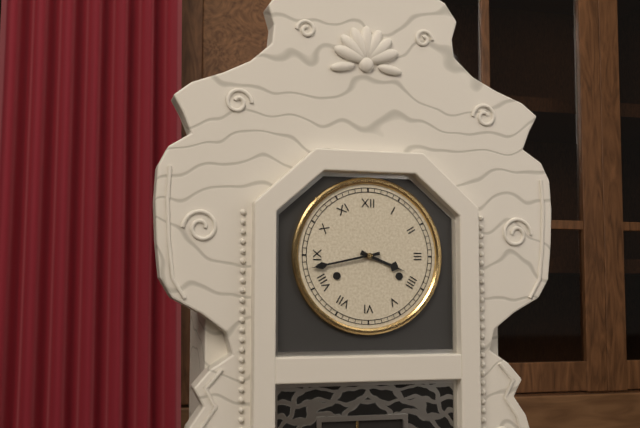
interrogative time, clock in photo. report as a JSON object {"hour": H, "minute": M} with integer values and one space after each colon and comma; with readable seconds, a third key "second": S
{"hour": 3, "minute": 43}
